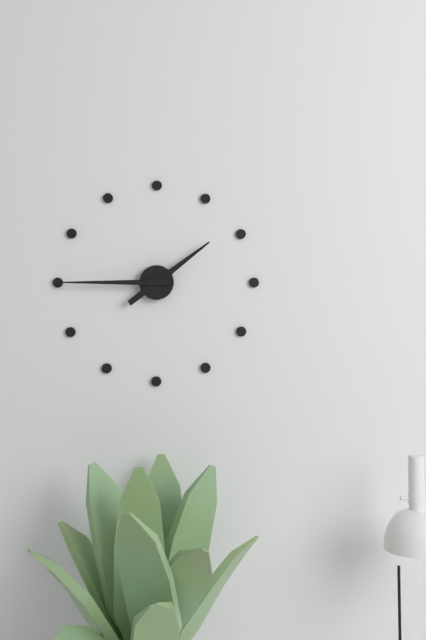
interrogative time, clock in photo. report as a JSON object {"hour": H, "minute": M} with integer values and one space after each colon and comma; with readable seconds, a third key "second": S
{"hour": 1, "minute": 45}
